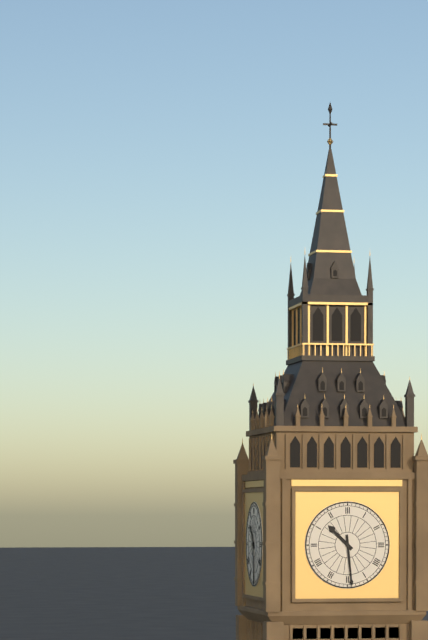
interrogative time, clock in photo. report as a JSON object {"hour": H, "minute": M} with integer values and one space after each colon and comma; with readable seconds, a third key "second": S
{"hour": 10, "minute": 29}
